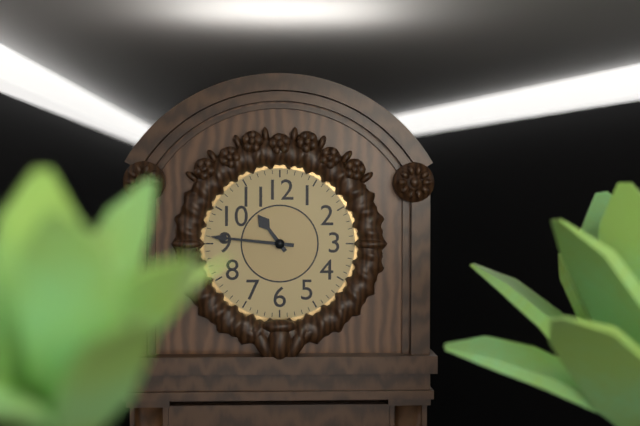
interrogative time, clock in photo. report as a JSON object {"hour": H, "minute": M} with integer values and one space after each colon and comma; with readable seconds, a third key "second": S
{"hour": 10, "minute": 46}
